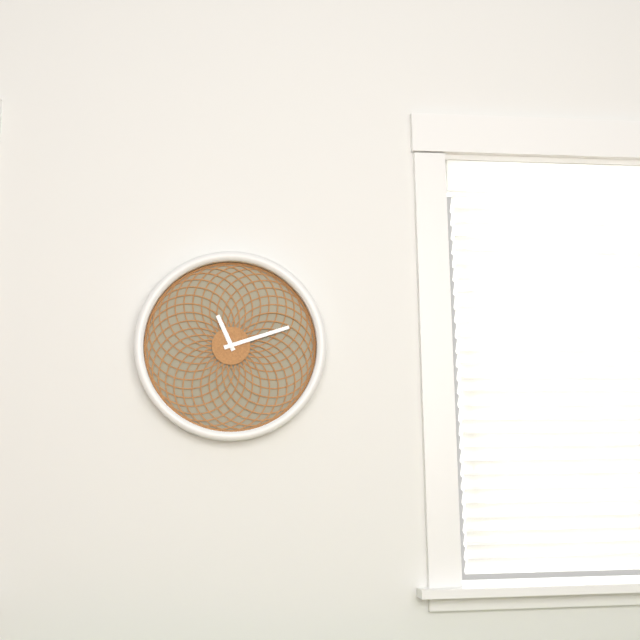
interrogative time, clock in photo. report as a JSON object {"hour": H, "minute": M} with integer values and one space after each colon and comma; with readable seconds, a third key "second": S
{"hour": 11, "minute": 12}
